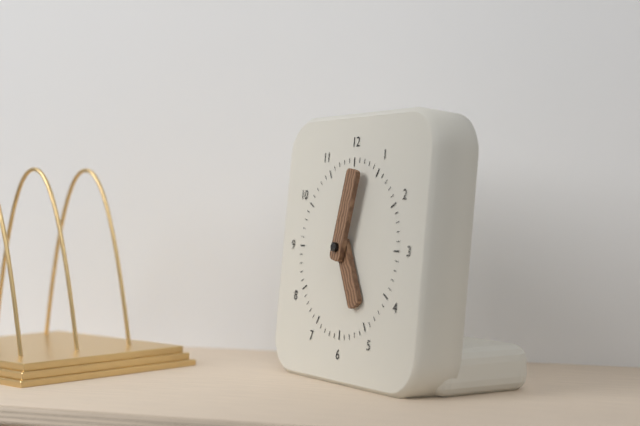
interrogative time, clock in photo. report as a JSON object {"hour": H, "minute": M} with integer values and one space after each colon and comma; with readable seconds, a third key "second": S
{"hour": 5, "minute": 2}
